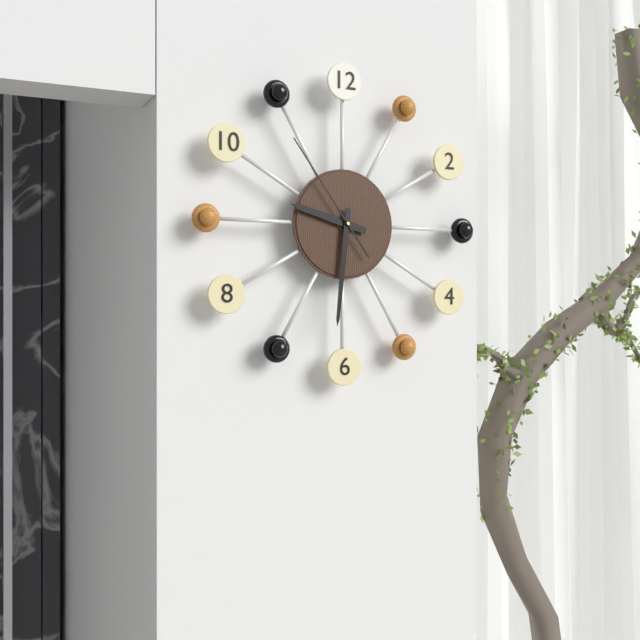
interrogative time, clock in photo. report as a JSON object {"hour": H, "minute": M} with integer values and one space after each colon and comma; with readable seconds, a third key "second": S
{"hour": 9, "minute": 31, "second": 54}
